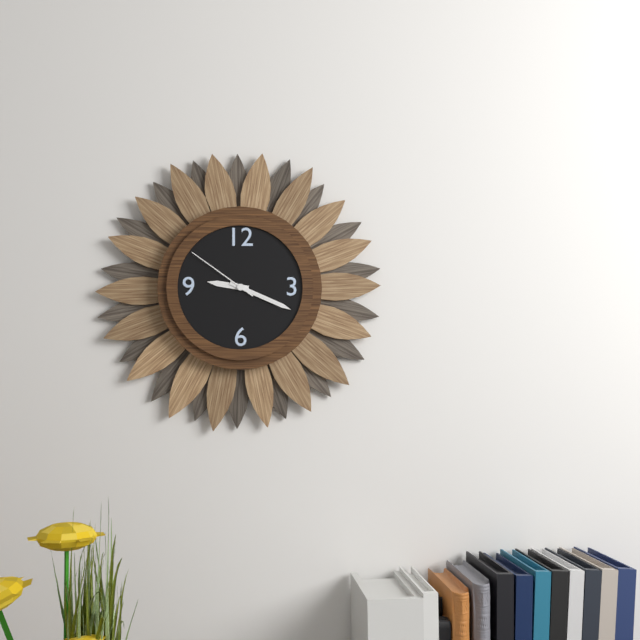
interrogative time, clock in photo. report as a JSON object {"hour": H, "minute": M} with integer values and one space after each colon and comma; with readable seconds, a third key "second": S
{"hour": 9, "minute": 19, "second": 51}
